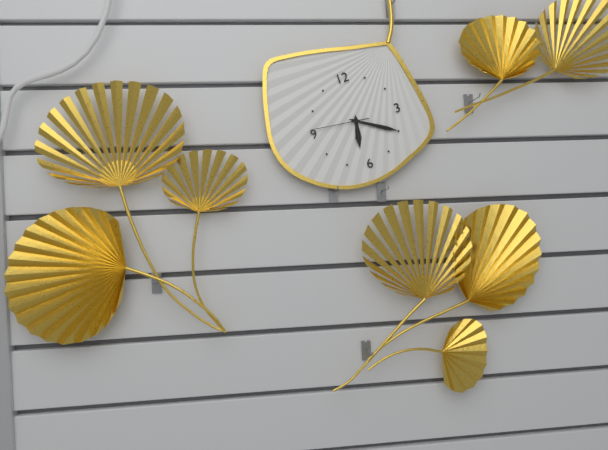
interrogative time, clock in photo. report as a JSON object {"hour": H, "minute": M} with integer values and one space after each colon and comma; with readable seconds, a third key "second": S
{"hour": 6, "minute": 20, "second": 46}
